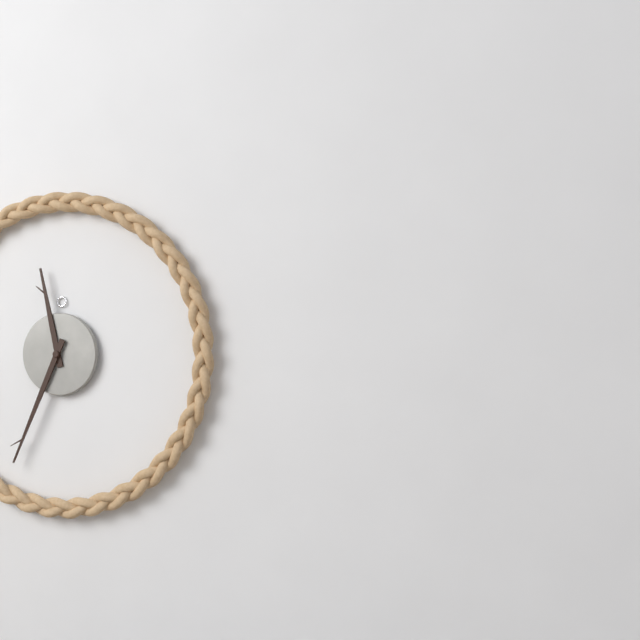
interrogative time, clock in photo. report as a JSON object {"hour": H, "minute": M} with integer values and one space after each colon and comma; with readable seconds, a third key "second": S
{"hour": 11, "minute": 34}
